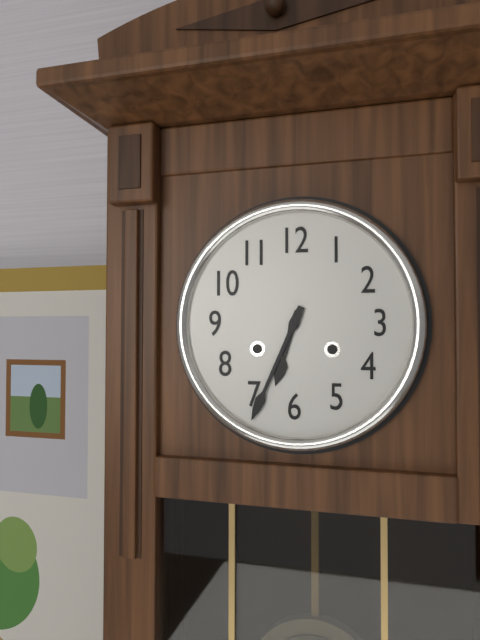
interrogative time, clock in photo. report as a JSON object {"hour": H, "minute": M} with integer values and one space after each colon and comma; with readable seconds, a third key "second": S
{"hour": 6, "minute": 34}
